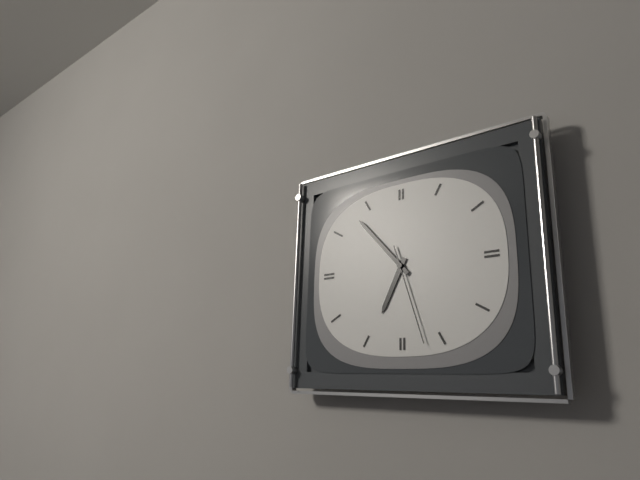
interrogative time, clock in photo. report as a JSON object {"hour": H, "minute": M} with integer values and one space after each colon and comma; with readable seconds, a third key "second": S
{"hour": 6, "minute": 53, "second": 27}
